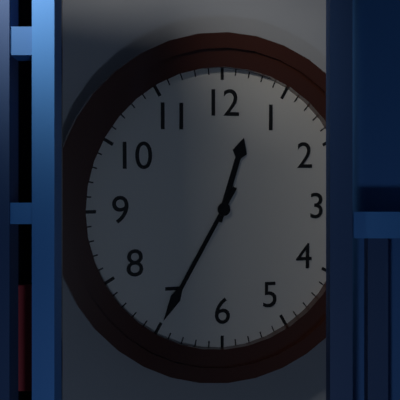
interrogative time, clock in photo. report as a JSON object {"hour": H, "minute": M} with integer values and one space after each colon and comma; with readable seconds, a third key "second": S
{"hour": 12, "minute": 35}
